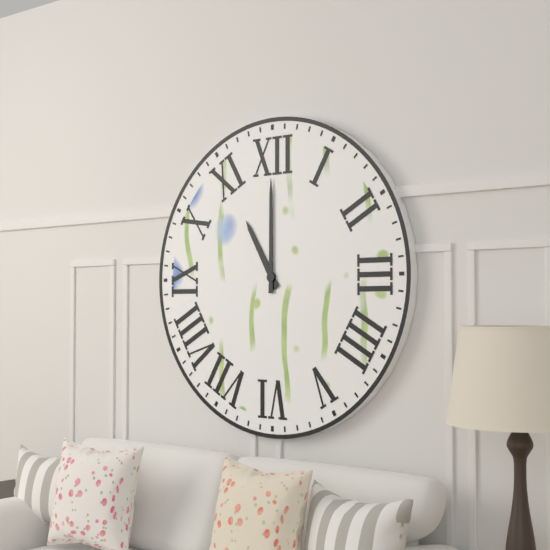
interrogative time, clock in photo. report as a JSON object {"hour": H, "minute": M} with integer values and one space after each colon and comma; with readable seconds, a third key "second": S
{"hour": 11, "minute": 0}
